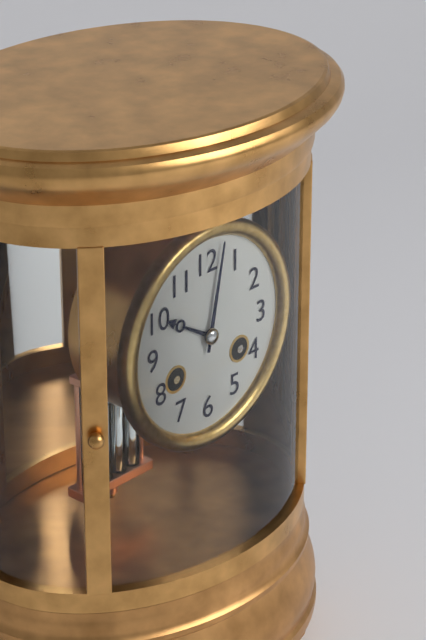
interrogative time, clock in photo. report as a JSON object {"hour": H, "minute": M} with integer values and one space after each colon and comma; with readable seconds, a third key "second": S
{"hour": 10, "minute": 2}
